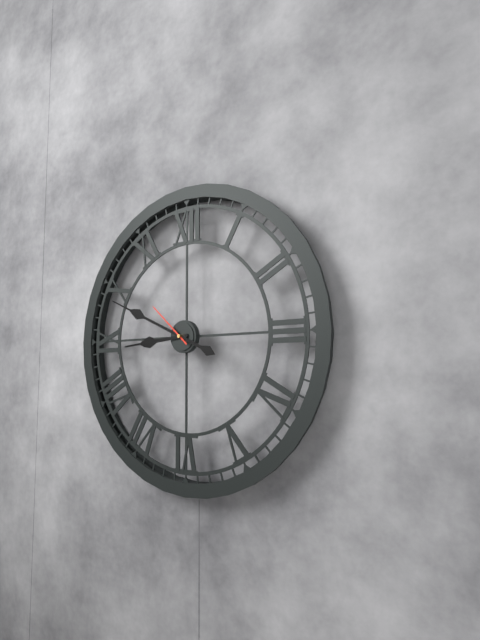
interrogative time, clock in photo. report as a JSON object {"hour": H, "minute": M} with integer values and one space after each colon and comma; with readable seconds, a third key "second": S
{"hour": 8, "minute": 49, "second": 52}
